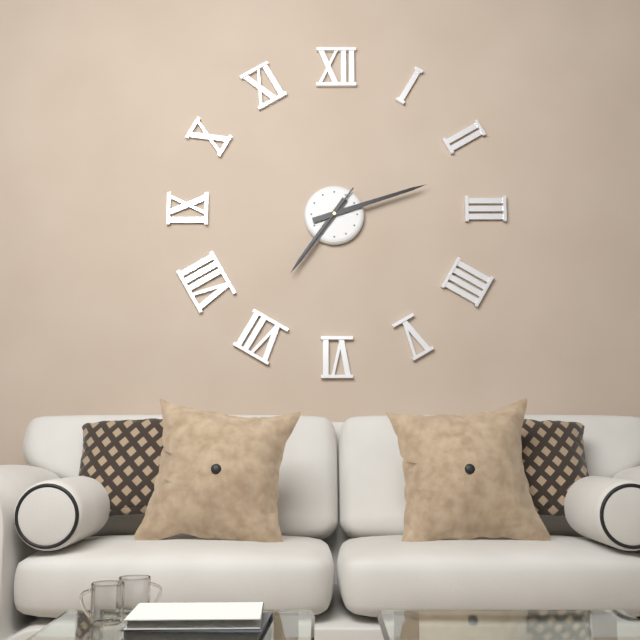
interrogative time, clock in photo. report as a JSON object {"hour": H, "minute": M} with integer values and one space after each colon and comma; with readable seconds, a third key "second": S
{"hour": 7, "minute": 12, "second": 36}
